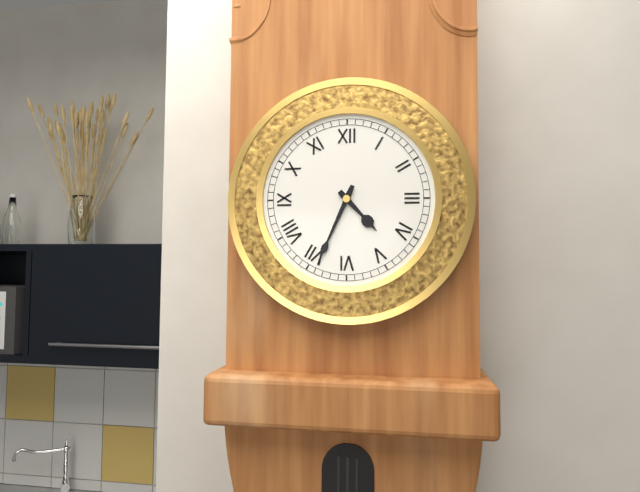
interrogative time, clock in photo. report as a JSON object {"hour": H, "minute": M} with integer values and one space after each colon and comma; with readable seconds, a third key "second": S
{"hour": 4, "minute": 34}
